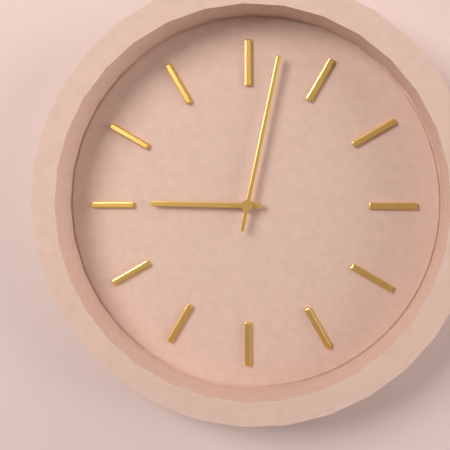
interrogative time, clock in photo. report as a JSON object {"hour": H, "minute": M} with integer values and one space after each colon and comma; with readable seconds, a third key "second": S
{"hour": 9, "minute": 2}
